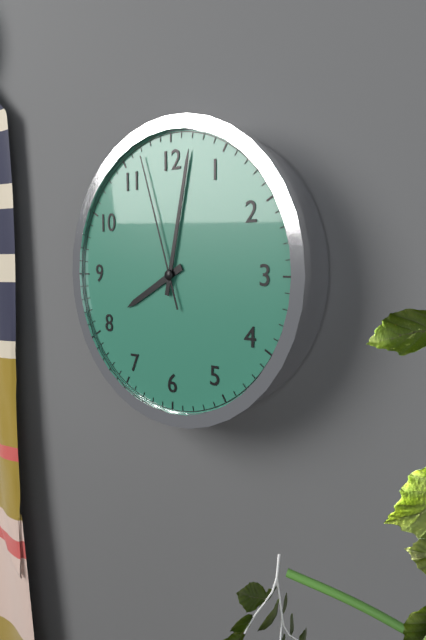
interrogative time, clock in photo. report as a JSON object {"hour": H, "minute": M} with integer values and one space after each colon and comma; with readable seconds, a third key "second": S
{"hour": 8, "minute": 2, "second": 57}
